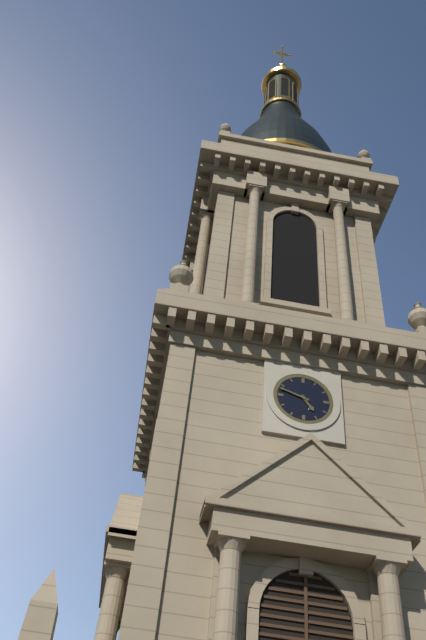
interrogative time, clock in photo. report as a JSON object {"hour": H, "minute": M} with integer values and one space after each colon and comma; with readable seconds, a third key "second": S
{"hour": 4, "minute": 48}
